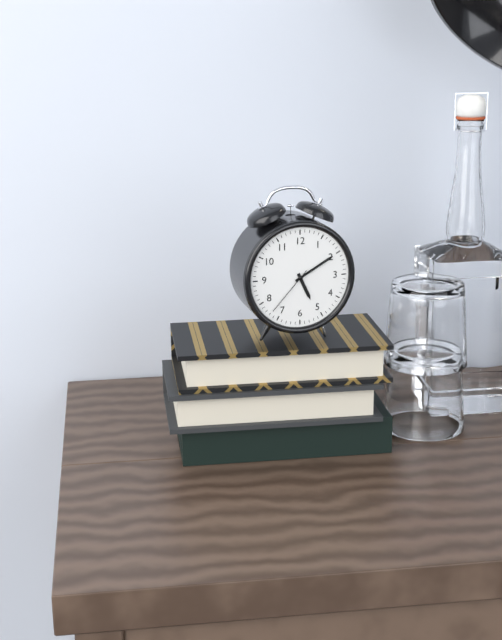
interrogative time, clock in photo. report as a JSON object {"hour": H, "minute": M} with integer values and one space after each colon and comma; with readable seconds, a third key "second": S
{"hour": 5, "minute": 10, "second": 37}
